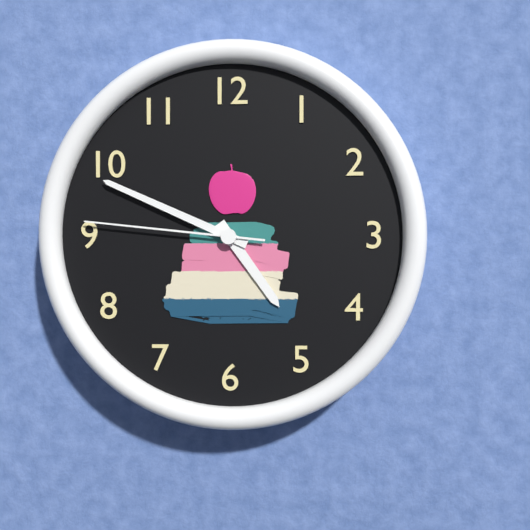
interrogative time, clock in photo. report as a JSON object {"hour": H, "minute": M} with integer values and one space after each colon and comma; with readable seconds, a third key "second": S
{"hour": 4, "minute": 49, "second": 46}
